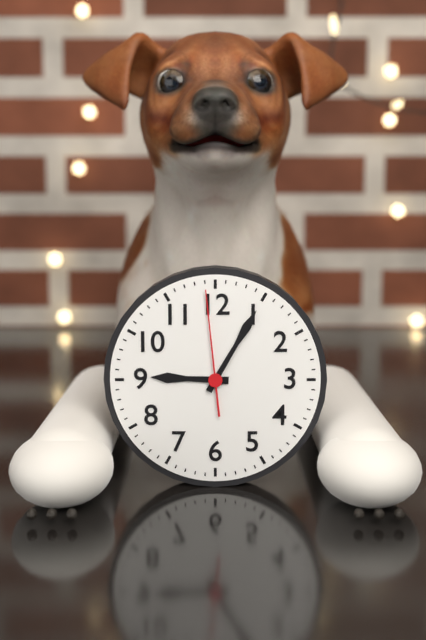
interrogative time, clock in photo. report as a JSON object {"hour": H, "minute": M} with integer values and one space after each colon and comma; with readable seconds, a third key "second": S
{"hour": 9, "minute": 5, "second": 59}
